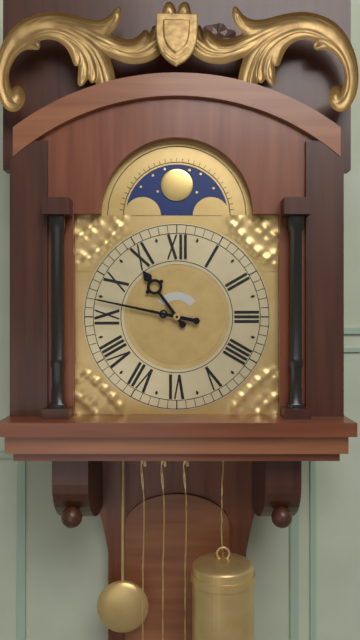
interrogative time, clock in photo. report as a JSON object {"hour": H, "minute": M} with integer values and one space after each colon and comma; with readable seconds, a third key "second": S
{"hour": 10, "minute": 47}
